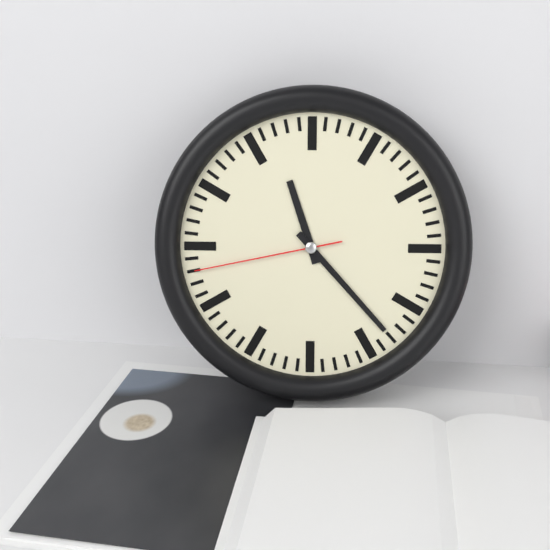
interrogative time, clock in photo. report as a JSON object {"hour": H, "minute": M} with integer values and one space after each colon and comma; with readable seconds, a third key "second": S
{"hour": 11, "minute": 23, "second": 43}
